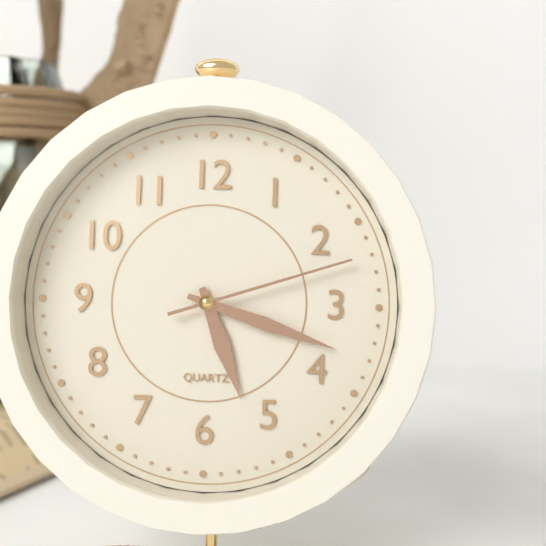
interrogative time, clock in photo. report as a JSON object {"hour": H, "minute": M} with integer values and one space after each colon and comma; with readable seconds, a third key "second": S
{"hour": 5, "minute": 18, "second": 12}
